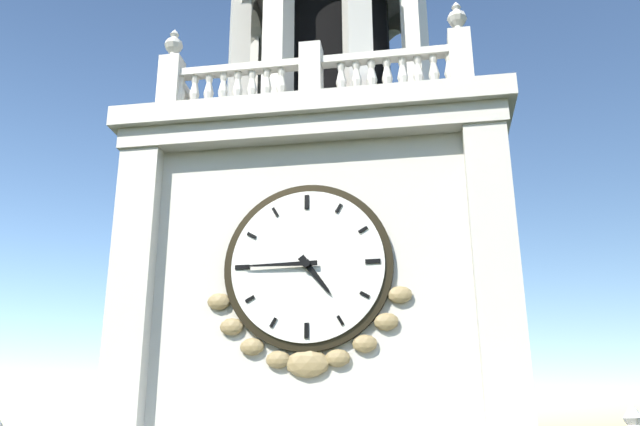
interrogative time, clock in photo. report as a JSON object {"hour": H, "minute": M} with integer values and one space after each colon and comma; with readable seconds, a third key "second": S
{"hour": 4, "minute": 45}
